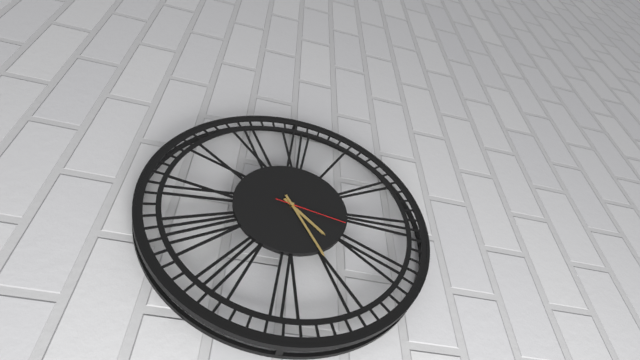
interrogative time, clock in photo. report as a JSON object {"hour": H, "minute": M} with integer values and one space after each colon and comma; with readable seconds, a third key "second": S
{"hour": 4, "minute": 25, "second": 17}
